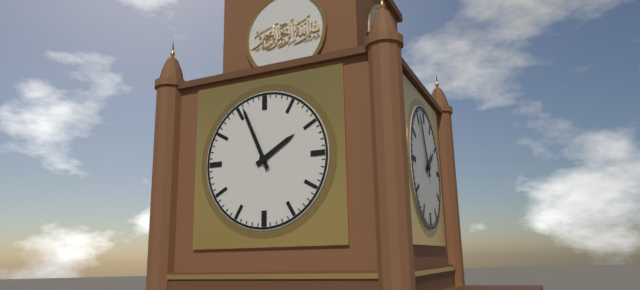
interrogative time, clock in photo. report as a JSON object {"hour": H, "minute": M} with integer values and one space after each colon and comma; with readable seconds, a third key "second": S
{"hour": 1, "minute": 56}
